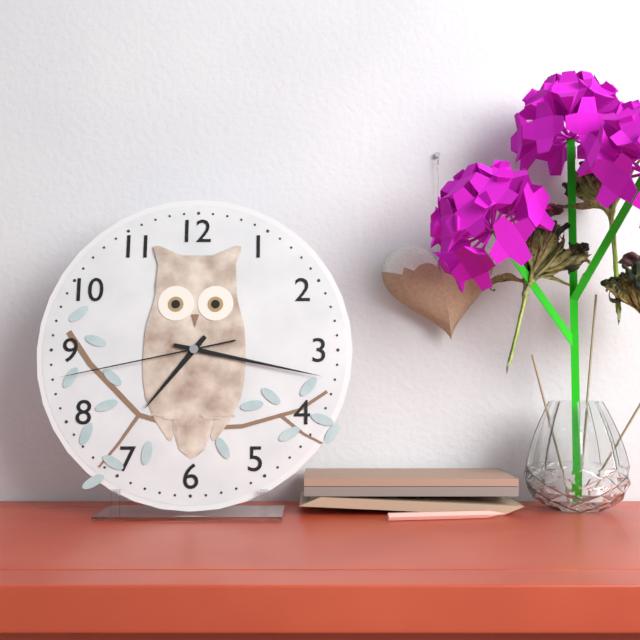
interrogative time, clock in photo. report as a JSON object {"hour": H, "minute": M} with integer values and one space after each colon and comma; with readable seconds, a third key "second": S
{"hour": 7, "minute": 17, "second": 43}
